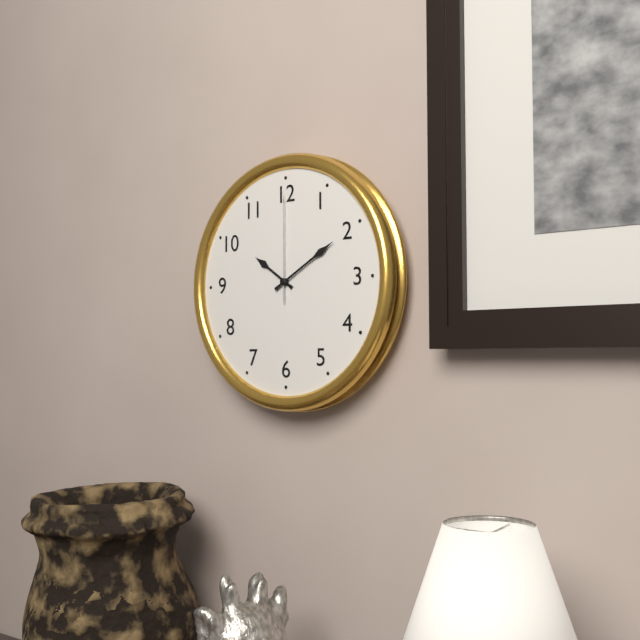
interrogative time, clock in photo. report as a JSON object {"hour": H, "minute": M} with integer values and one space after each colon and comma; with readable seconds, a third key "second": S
{"hour": 10, "minute": 10, "second": 0}
